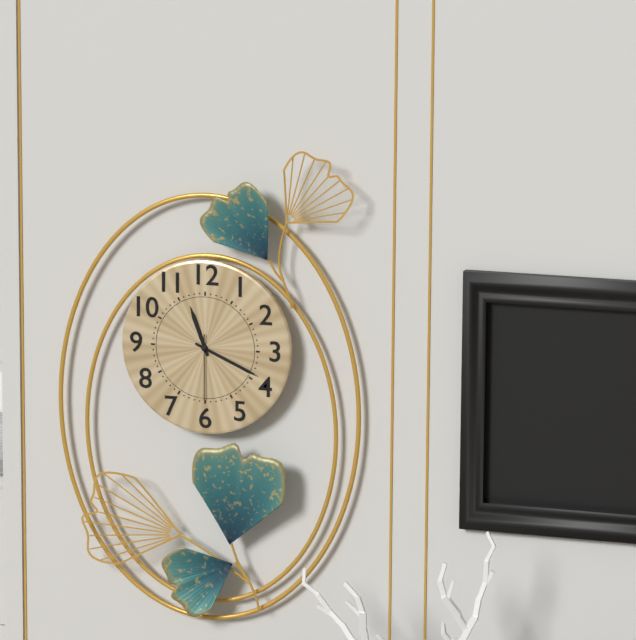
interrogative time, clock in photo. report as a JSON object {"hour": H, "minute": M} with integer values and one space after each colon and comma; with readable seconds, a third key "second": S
{"hour": 11, "minute": 19, "second": 30}
